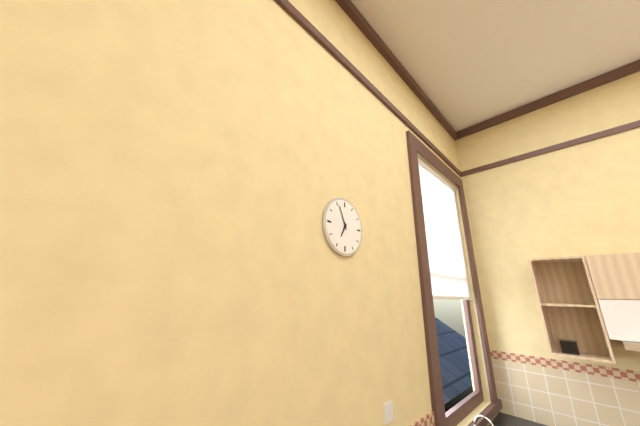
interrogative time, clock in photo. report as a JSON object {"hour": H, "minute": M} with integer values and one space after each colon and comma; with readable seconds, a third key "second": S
{"hour": 6, "minute": 56}
